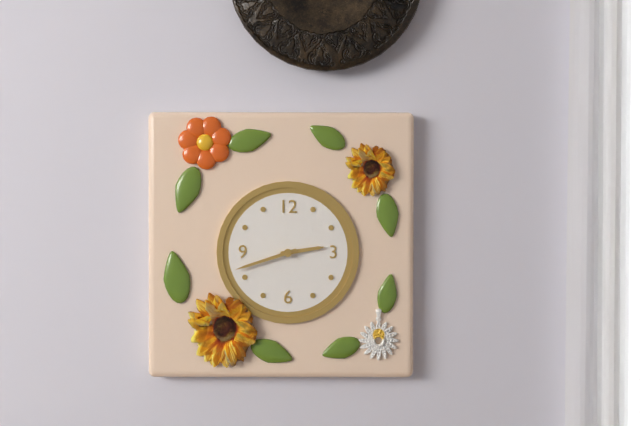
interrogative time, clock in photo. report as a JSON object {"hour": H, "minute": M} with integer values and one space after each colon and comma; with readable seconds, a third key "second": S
{"hour": 2, "minute": 42}
